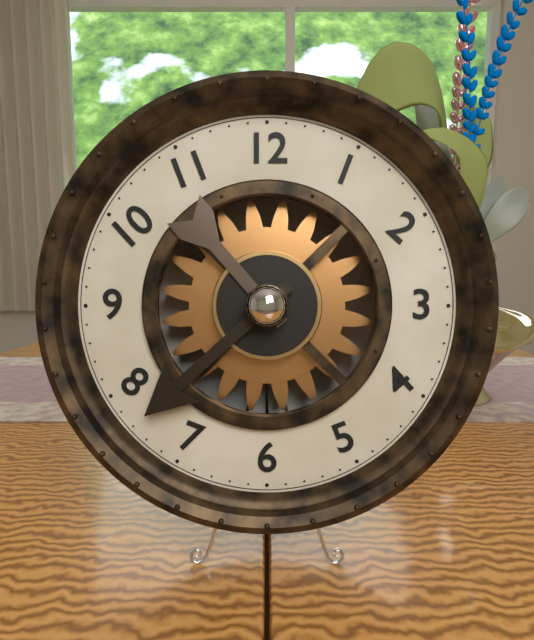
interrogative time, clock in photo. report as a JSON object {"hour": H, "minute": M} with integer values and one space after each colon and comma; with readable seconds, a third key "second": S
{"hour": 10, "minute": 38}
